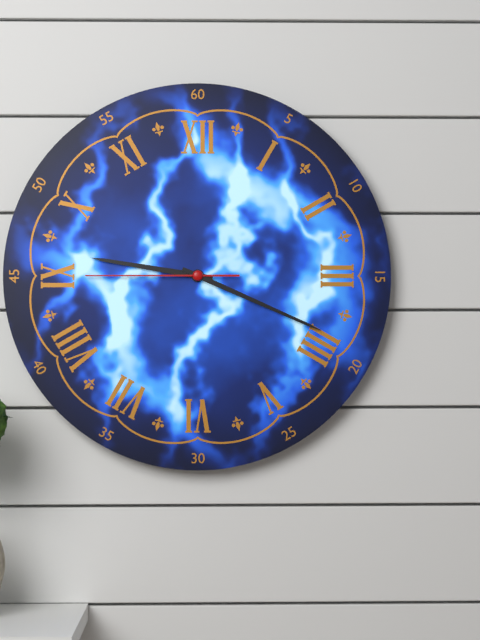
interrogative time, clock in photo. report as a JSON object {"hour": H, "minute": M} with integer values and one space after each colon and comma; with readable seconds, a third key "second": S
{"hour": 9, "minute": 19, "second": 45}
